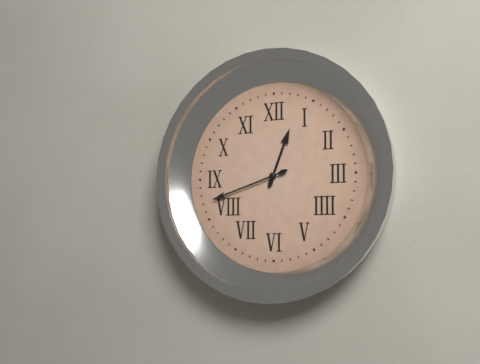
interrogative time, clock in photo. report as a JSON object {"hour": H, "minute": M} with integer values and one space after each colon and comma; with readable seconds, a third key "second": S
{"hour": 12, "minute": 42}
